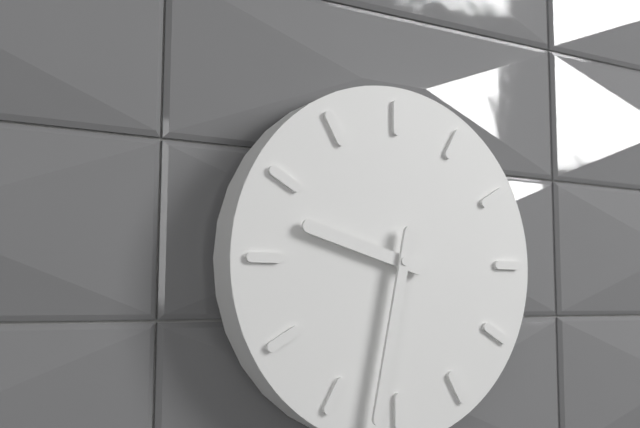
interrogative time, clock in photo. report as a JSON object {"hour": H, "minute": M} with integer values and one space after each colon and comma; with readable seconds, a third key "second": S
{"hour": 9, "minute": 32}
